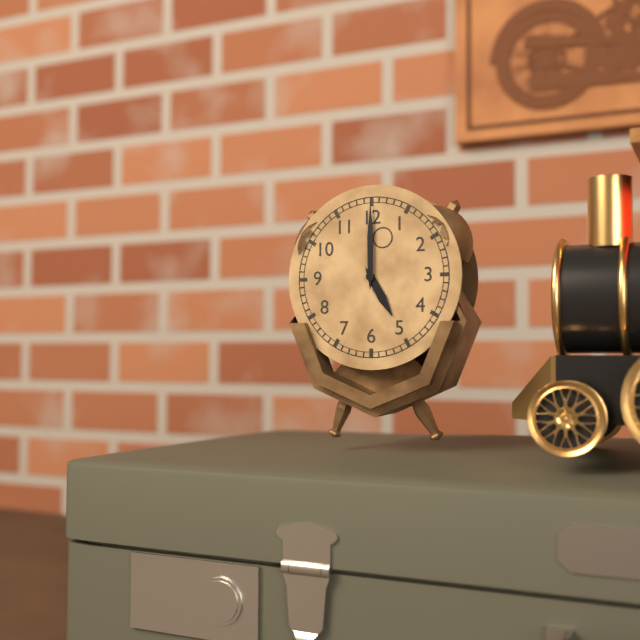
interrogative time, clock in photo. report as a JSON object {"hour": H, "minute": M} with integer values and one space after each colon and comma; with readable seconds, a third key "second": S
{"hour": 5, "minute": 0}
